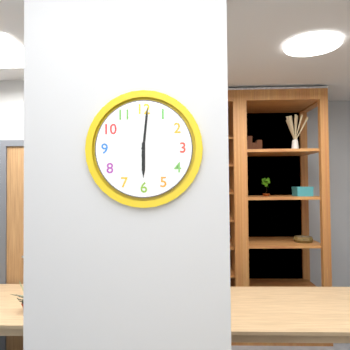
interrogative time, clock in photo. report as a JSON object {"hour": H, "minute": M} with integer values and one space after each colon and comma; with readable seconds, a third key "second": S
{"hour": 6, "minute": 1}
